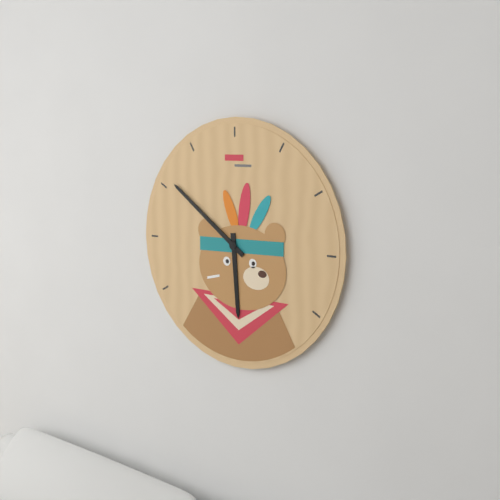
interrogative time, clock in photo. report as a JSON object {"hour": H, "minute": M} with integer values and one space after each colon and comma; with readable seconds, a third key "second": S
{"hour": 5, "minute": 51}
